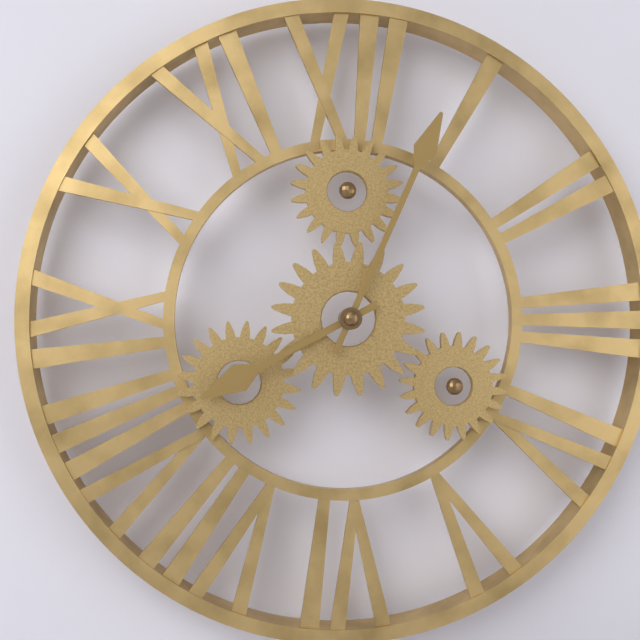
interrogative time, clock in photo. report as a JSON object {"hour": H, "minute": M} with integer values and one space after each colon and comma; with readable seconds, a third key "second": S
{"hour": 8, "minute": 4}
